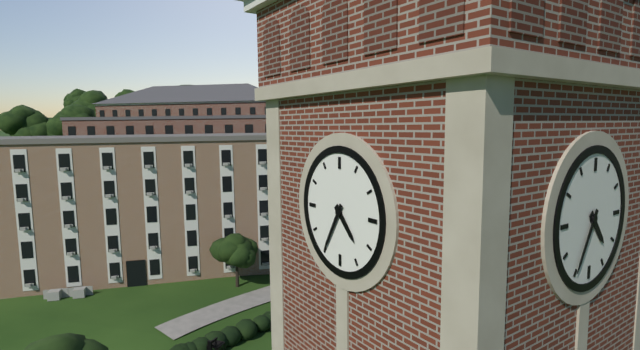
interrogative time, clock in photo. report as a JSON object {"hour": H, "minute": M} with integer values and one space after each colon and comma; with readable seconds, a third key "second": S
{"hour": 4, "minute": 35}
